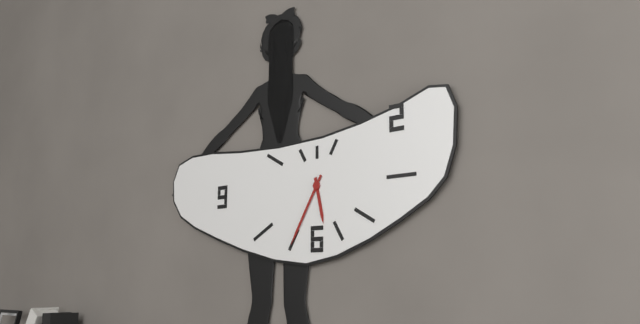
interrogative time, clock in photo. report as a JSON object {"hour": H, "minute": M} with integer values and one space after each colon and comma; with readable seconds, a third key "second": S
{"hour": 5, "minute": 35}
